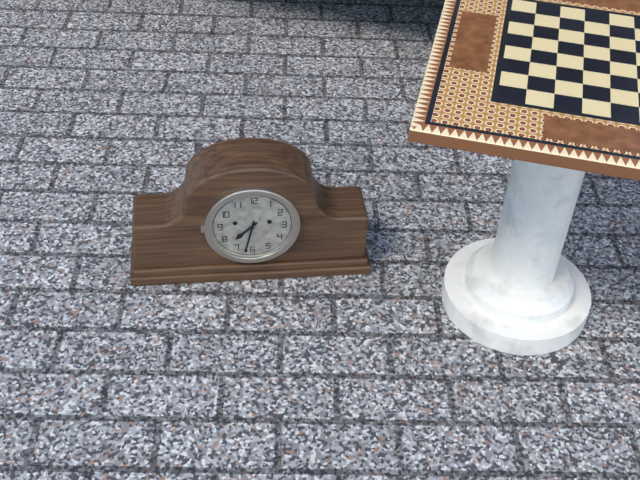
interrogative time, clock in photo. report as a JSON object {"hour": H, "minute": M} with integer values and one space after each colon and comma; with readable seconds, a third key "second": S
{"hour": 7, "minute": 32}
